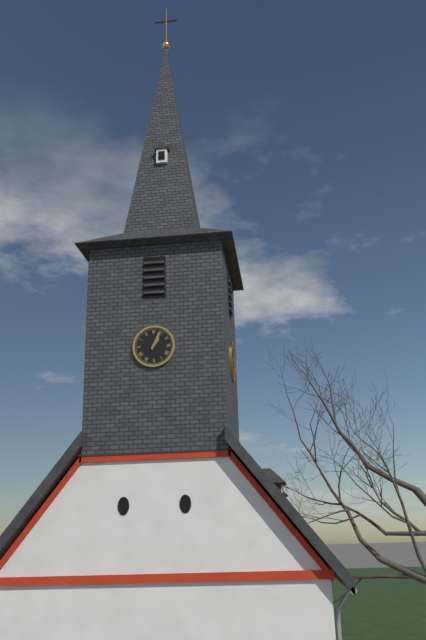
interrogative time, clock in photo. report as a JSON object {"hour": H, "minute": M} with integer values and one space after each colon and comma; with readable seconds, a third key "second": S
{"hour": 1, "minute": 4}
